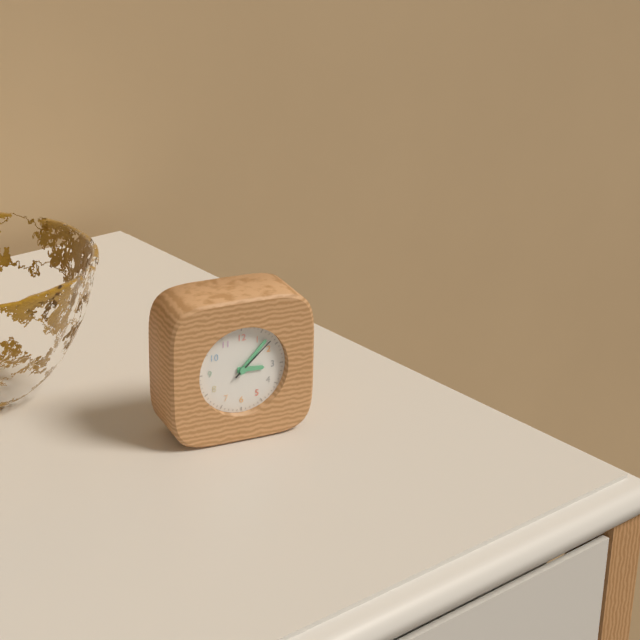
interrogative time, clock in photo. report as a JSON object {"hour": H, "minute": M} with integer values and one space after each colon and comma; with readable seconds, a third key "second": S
{"hour": 3, "minute": 7, "second": 8}
